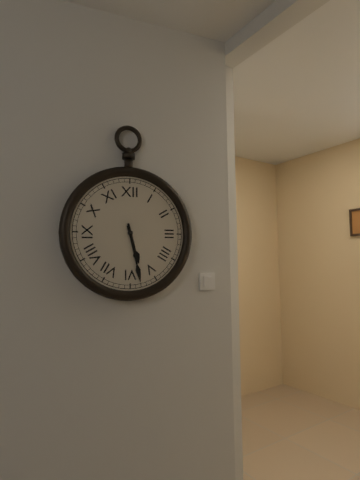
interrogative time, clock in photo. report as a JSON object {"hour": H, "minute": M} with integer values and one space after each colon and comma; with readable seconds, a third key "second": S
{"hour": 5, "minute": 28}
